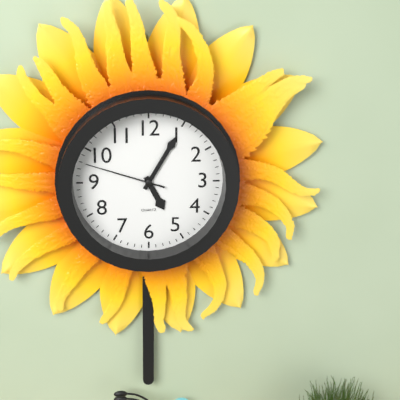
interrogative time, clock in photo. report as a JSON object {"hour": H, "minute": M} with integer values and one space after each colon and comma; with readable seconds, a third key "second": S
{"hour": 5, "minute": 5, "second": 48}
